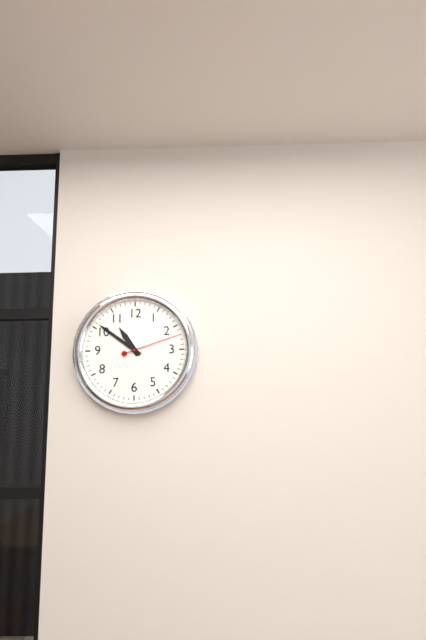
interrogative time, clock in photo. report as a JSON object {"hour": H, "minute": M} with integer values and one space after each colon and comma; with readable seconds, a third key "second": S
{"hour": 10, "minute": 51, "second": 12}
